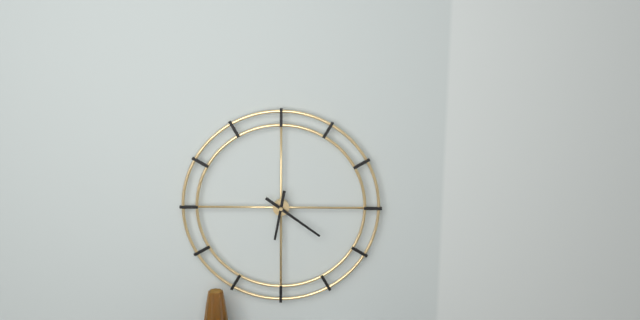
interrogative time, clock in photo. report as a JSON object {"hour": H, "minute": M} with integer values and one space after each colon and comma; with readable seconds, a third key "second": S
{"hour": 6, "minute": 21}
